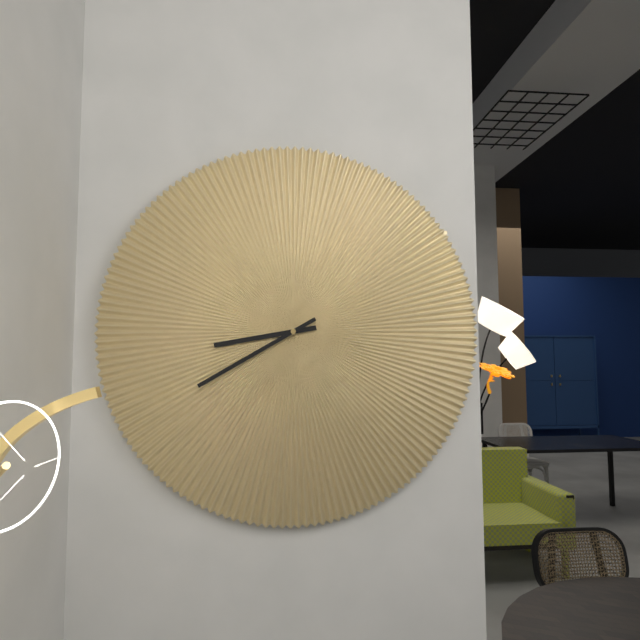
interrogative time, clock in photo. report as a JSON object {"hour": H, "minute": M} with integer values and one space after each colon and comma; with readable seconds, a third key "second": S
{"hour": 8, "minute": 40}
